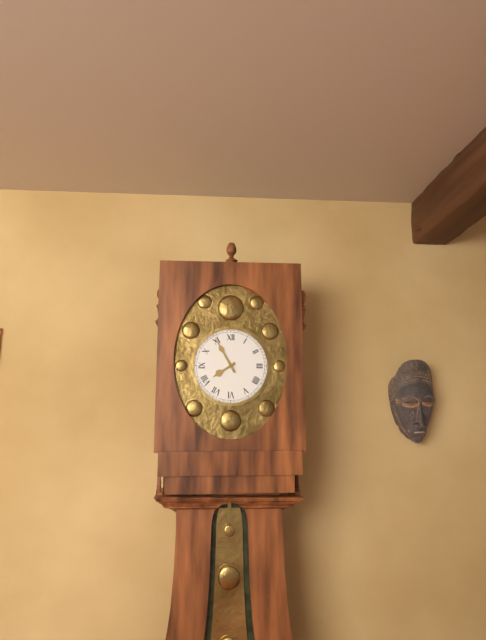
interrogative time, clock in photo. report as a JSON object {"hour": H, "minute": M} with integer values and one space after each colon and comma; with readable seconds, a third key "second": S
{"hour": 7, "minute": 55}
